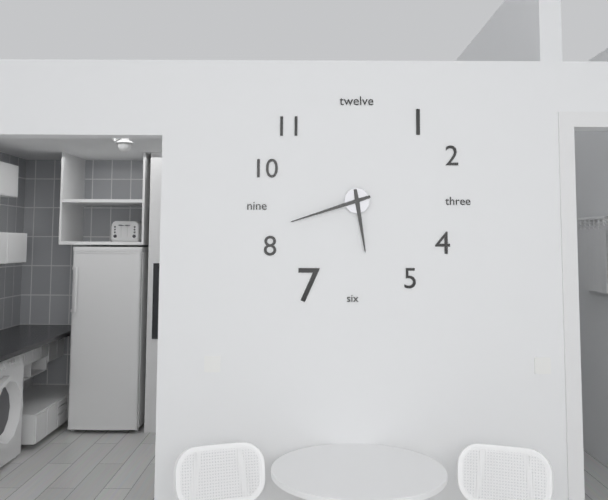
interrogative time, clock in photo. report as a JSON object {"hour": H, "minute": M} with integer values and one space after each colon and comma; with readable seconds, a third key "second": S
{"hour": 5, "minute": 42}
